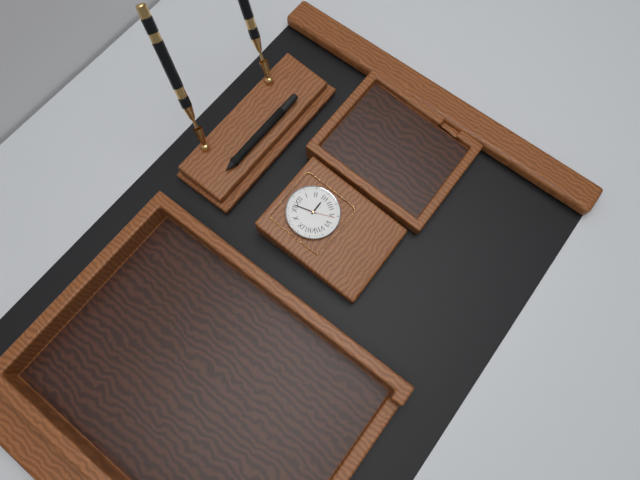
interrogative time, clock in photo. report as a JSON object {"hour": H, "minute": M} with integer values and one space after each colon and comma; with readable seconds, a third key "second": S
{"hour": 2, "minute": 57}
